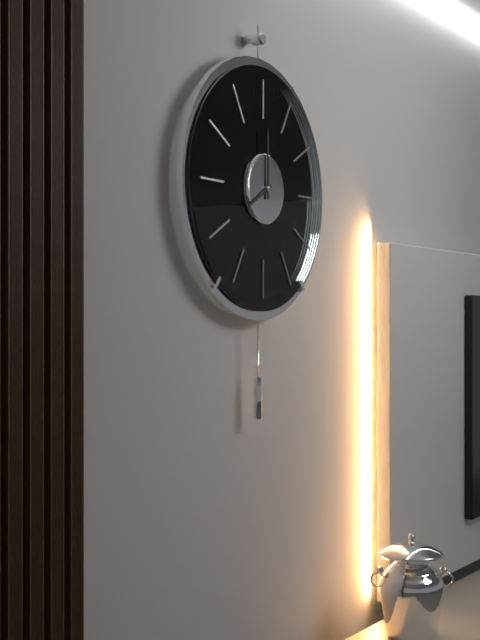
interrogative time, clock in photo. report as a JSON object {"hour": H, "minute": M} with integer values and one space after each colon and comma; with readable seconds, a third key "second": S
{"hour": 8, "minute": 0}
